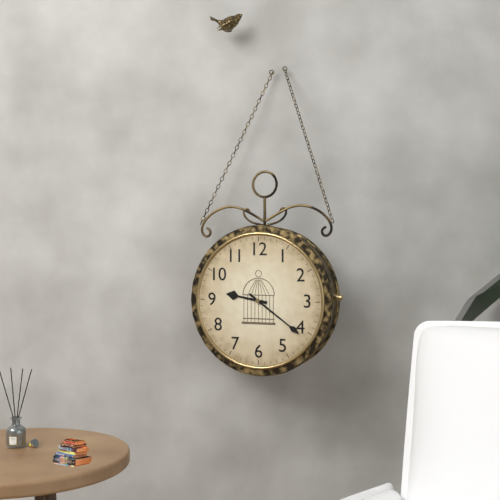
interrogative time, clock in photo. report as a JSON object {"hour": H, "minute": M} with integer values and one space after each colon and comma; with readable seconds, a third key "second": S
{"hour": 9, "minute": 21}
